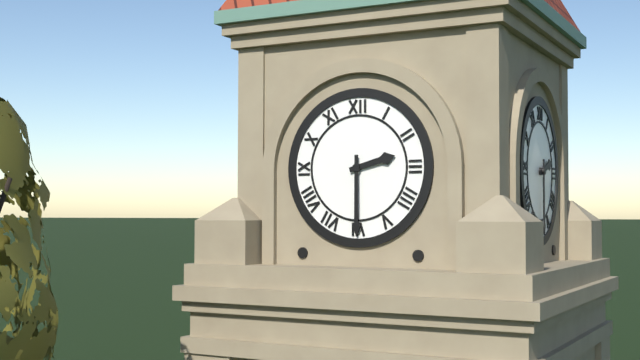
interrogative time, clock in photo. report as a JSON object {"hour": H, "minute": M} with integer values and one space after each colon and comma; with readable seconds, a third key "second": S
{"hour": 2, "minute": 30}
